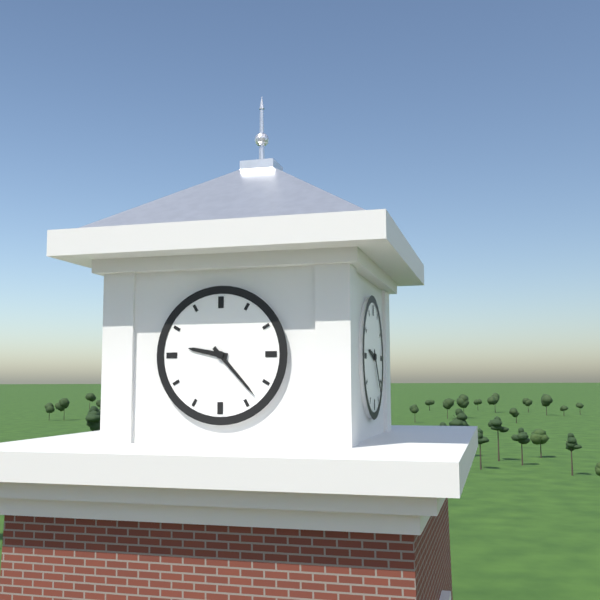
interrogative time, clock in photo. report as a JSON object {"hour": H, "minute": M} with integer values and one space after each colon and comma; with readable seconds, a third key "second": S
{"hour": 9, "minute": 23}
